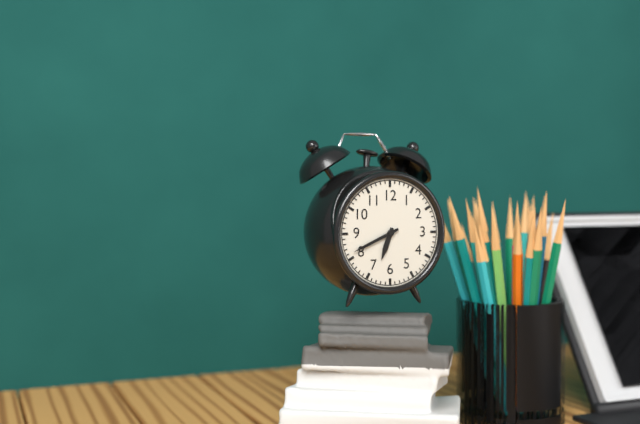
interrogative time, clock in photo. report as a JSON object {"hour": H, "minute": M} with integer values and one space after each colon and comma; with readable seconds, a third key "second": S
{"hour": 6, "minute": 41}
